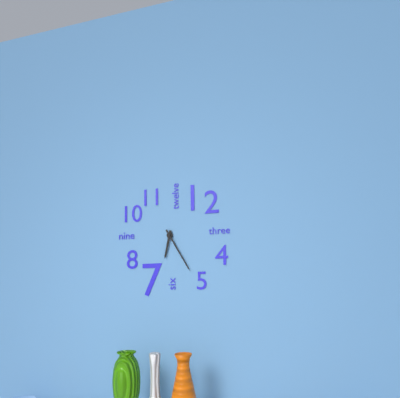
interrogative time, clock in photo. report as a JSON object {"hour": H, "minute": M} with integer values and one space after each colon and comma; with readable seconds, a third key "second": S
{"hour": 6, "minute": 25}
